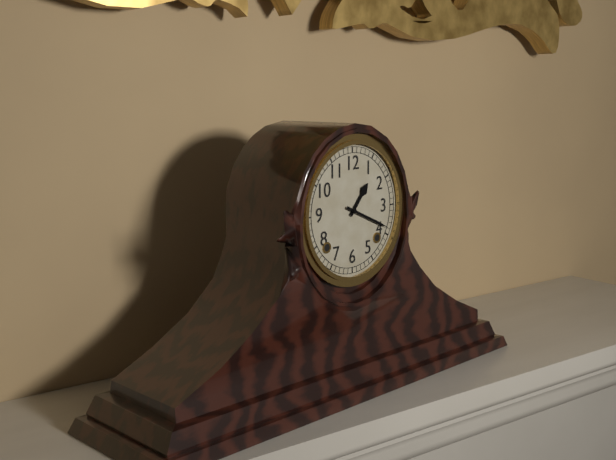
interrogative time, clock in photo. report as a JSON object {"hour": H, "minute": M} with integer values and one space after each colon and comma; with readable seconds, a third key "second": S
{"hour": 1, "minute": 19}
